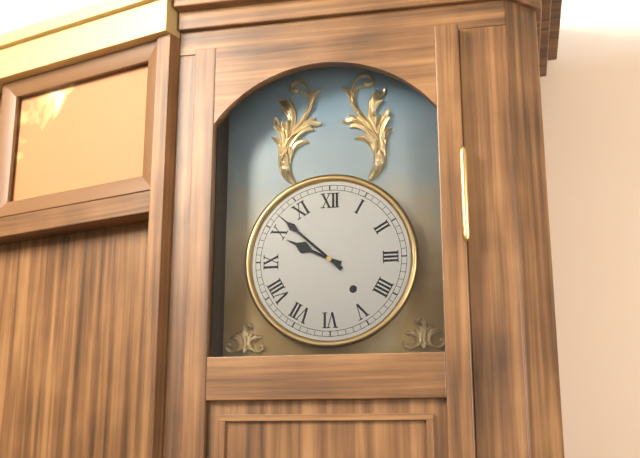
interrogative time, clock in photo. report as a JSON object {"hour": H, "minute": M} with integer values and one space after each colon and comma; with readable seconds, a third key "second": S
{"hour": 9, "minute": 52}
